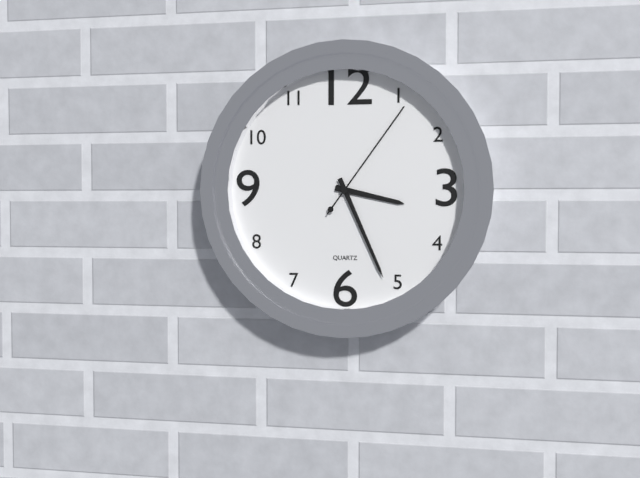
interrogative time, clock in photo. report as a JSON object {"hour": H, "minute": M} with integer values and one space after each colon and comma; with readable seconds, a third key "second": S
{"hour": 3, "minute": 26, "second": 6}
